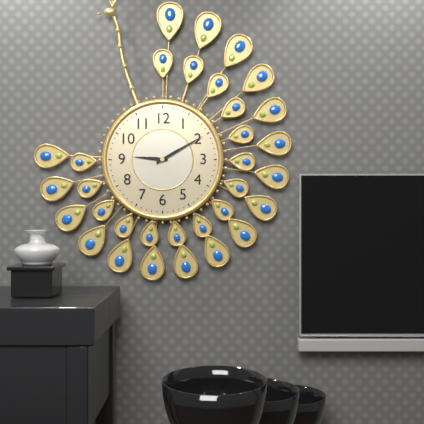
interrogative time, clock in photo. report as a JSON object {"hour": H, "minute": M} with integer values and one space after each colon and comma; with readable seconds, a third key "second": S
{"hour": 9, "minute": 10}
